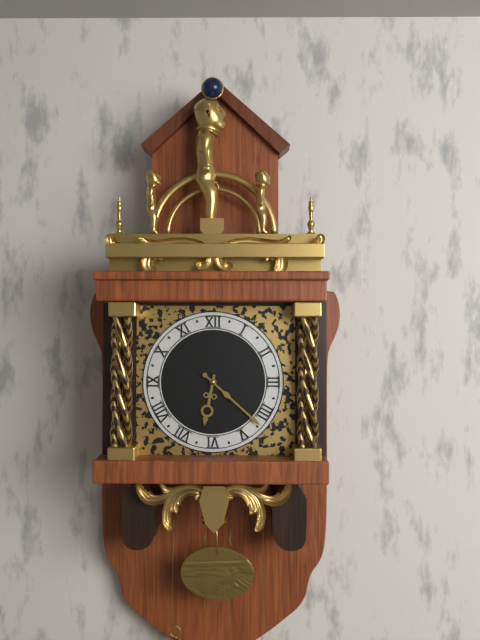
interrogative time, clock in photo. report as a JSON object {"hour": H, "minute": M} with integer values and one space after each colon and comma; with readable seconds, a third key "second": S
{"hour": 6, "minute": 22}
